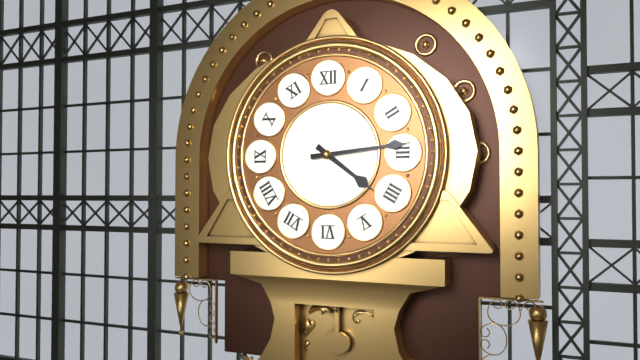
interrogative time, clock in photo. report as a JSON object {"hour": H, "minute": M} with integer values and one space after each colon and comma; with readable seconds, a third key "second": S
{"hour": 4, "minute": 14}
